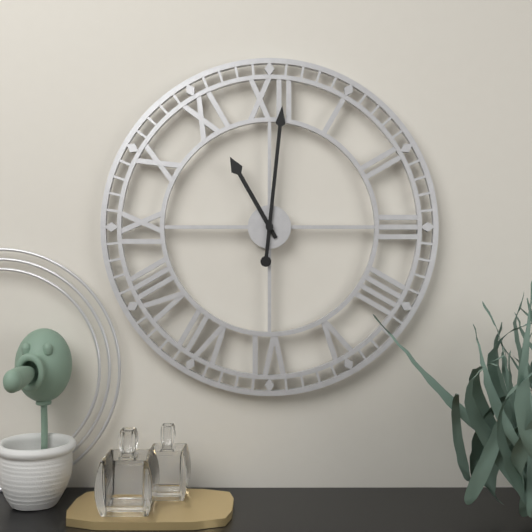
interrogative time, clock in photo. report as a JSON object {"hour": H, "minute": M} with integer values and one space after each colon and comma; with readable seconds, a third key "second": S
{"hour": 11, "minute": 1}
